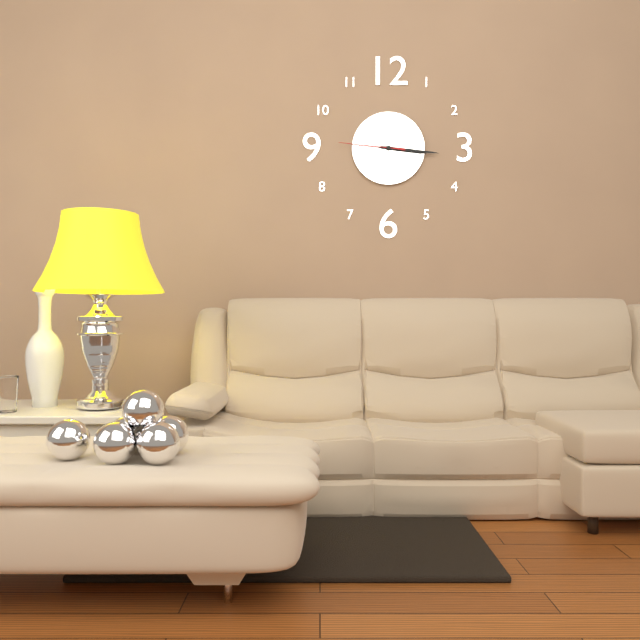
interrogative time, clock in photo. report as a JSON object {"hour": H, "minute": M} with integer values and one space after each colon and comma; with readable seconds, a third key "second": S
{"hour": 3, "minute": 16, "second": 46}
